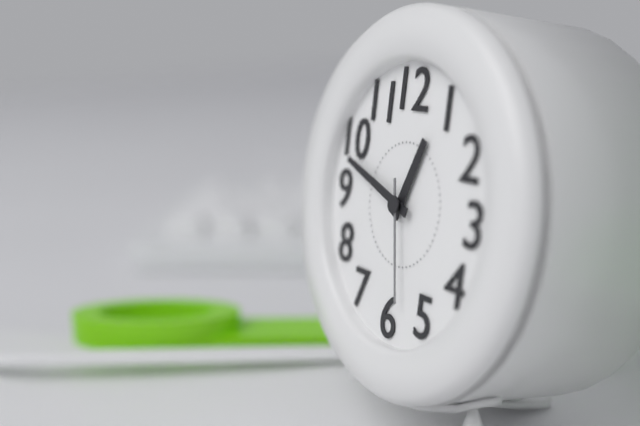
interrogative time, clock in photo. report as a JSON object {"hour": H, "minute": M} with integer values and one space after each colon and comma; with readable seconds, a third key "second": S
{"hour": 12, "minute": 48, "second": 28}
